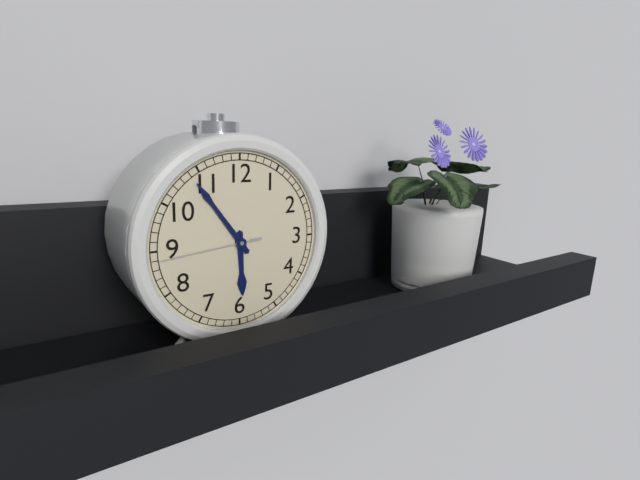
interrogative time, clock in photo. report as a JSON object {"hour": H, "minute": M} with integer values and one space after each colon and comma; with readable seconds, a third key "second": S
{"hour": 5, "minute": 54, "second": 44}
